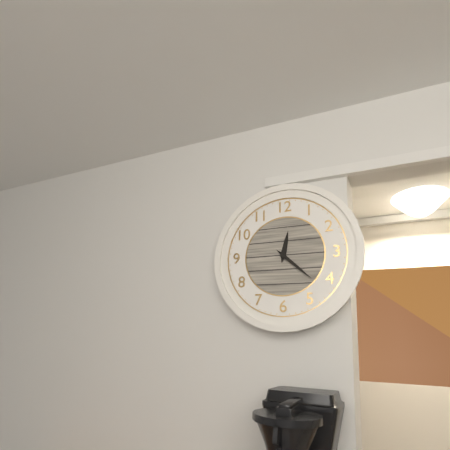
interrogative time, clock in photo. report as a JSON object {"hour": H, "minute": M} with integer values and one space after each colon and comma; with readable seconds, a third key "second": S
{"hour": 12, "minute": 22}
